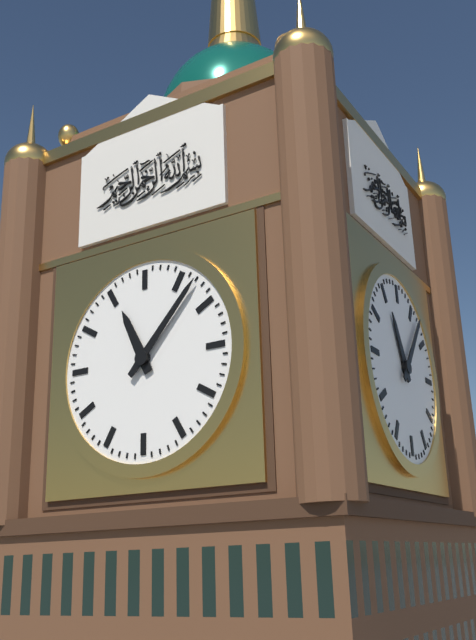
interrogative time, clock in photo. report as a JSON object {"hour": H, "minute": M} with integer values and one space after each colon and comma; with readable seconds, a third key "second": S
{"hour": 11, "minute": 7}
